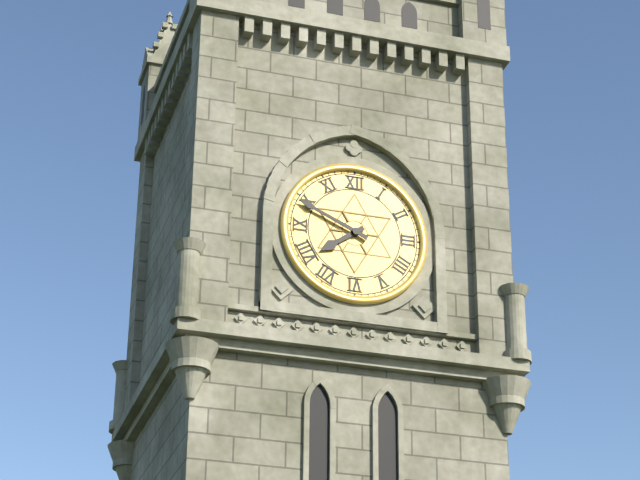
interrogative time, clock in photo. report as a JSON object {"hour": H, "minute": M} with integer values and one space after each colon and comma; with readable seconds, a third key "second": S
{"hour": 7, "minute": 49}
